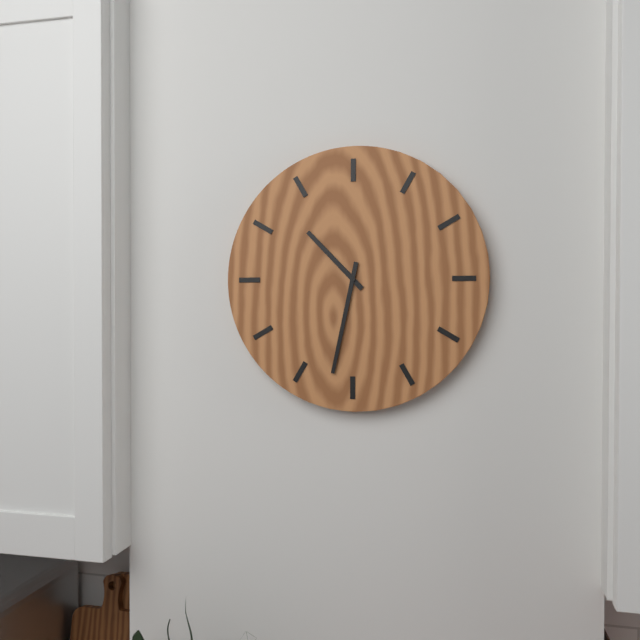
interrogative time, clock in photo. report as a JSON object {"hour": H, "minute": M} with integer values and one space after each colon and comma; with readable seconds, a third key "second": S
{"hour": 10, "minute": 32}
